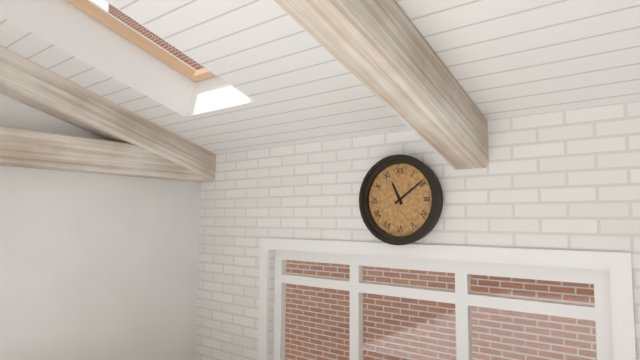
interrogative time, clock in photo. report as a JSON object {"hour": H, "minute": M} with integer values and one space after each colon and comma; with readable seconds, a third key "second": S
{"hour": 11, "minute": 9}
